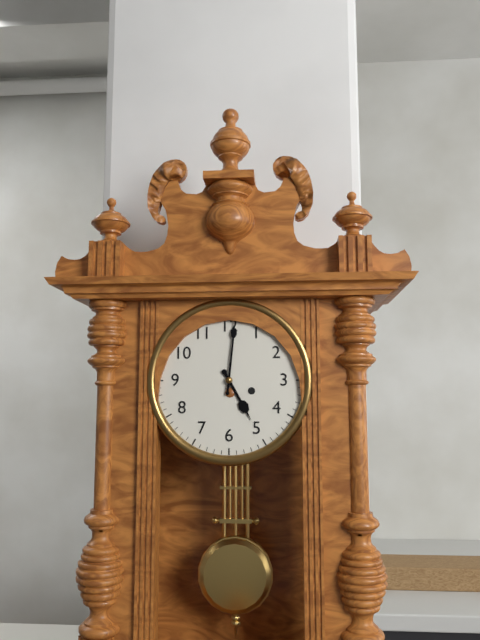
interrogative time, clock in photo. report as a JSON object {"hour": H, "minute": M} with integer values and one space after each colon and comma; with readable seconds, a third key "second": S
{"hour": 5, "minute": 1}
